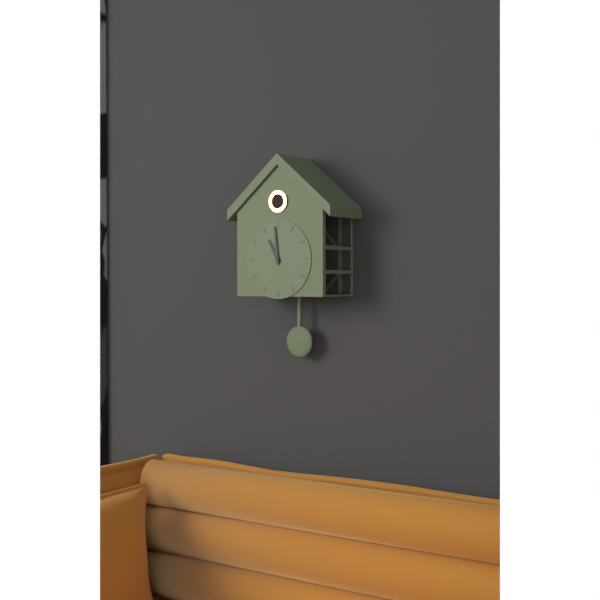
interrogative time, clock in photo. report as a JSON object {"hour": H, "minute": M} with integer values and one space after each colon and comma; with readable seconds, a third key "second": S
{"hour": 10, "minute": 59}
